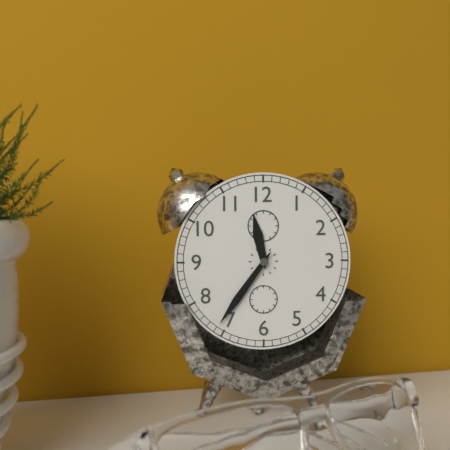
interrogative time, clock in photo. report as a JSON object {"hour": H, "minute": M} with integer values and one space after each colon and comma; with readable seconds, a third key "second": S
{"hour": 11, "minute": 36}
